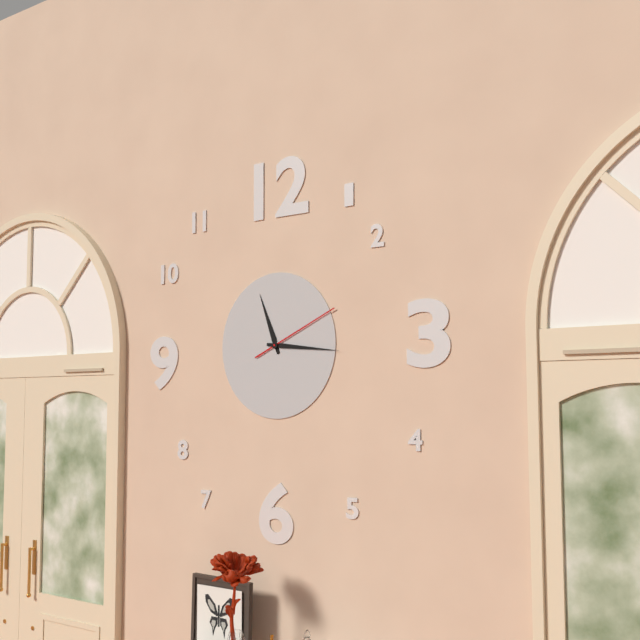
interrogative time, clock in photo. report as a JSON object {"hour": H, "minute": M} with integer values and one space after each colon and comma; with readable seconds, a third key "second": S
{"hour": 11, "minute": 16, "second": 11}
